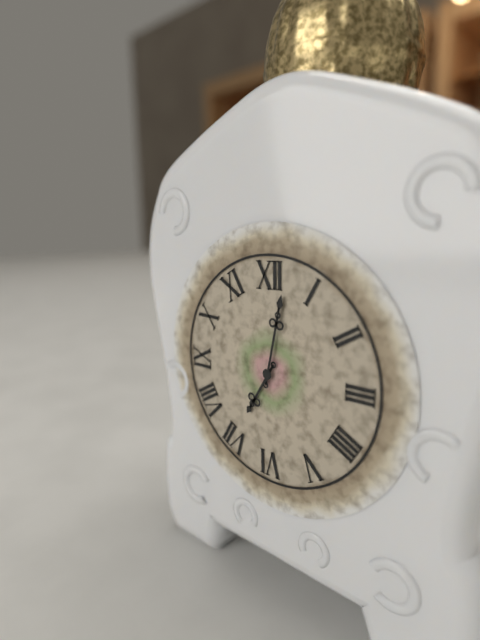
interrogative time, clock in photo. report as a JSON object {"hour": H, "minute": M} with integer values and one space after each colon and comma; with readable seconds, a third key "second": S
{"hour": 7, "minute": 2}
